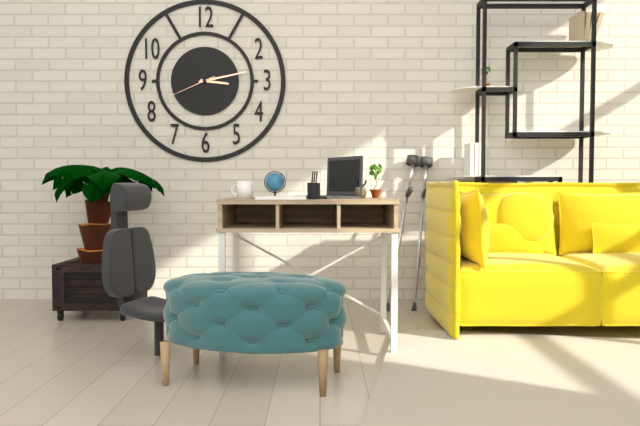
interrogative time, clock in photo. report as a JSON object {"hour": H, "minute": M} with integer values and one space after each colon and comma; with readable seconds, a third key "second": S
{"hour": 3, "minute": 13, "second": 41}
